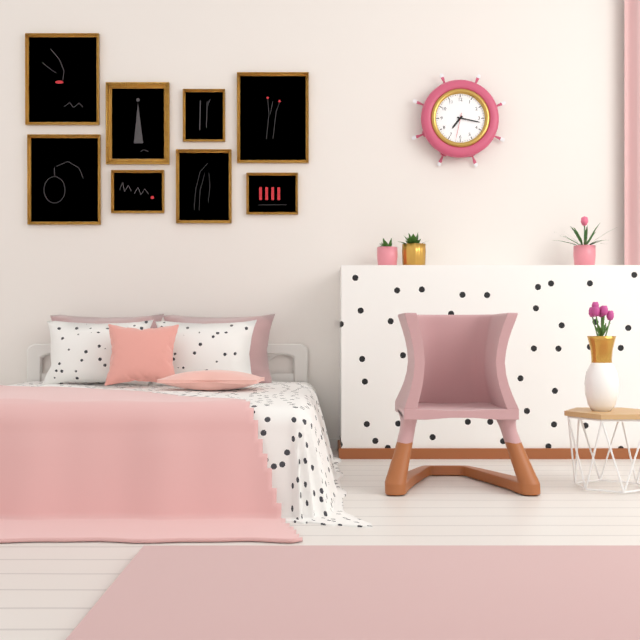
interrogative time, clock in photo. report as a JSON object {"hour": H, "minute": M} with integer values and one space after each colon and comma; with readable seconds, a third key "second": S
{"hour": 7, "minute": 17}
